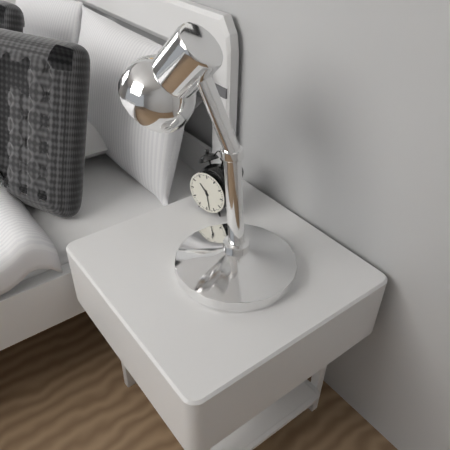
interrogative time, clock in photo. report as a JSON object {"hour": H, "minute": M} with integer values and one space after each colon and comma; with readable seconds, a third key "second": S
{"hour": 10, "minute": 28}
